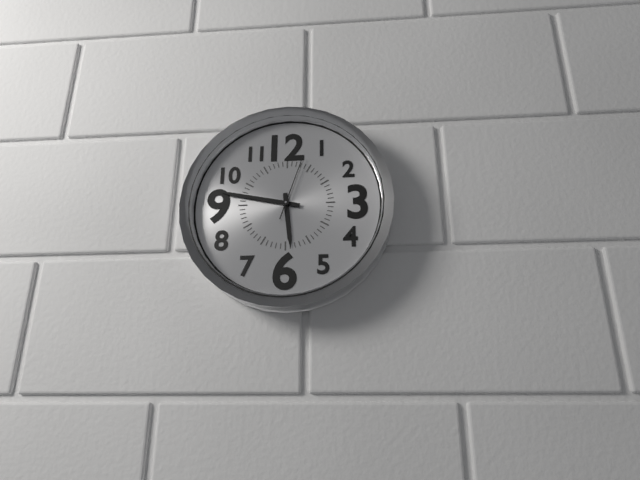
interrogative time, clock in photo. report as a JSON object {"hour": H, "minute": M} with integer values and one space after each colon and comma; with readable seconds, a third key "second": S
{"hour": 5, "minute": 47, "second": 3}
